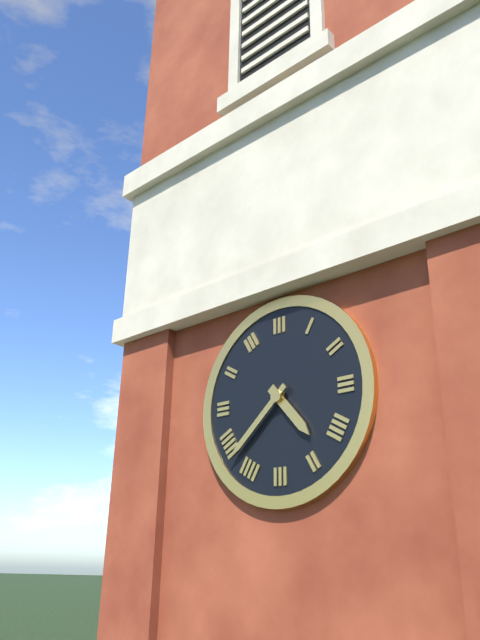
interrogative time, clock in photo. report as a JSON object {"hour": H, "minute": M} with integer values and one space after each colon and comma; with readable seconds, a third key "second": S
{"hour": 4, "minute": 38}
